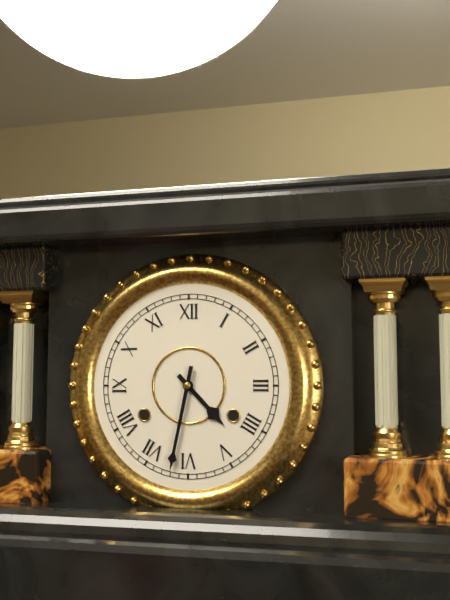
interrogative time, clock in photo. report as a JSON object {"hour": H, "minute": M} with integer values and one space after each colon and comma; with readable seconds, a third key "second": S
{"hour": 4, "minute": 32}
